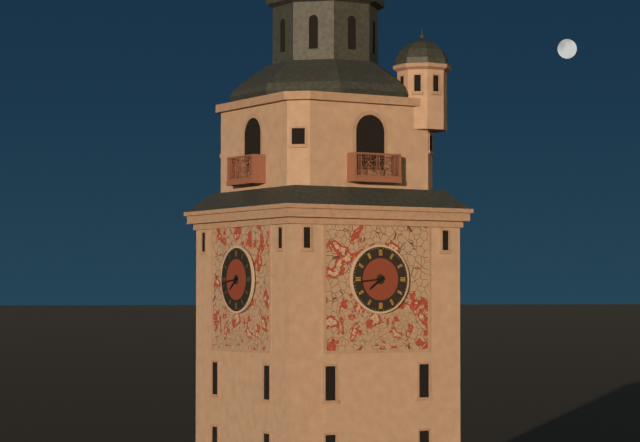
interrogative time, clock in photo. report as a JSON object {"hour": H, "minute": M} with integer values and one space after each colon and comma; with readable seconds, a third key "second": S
{"hour": 7, "minute": 44}
